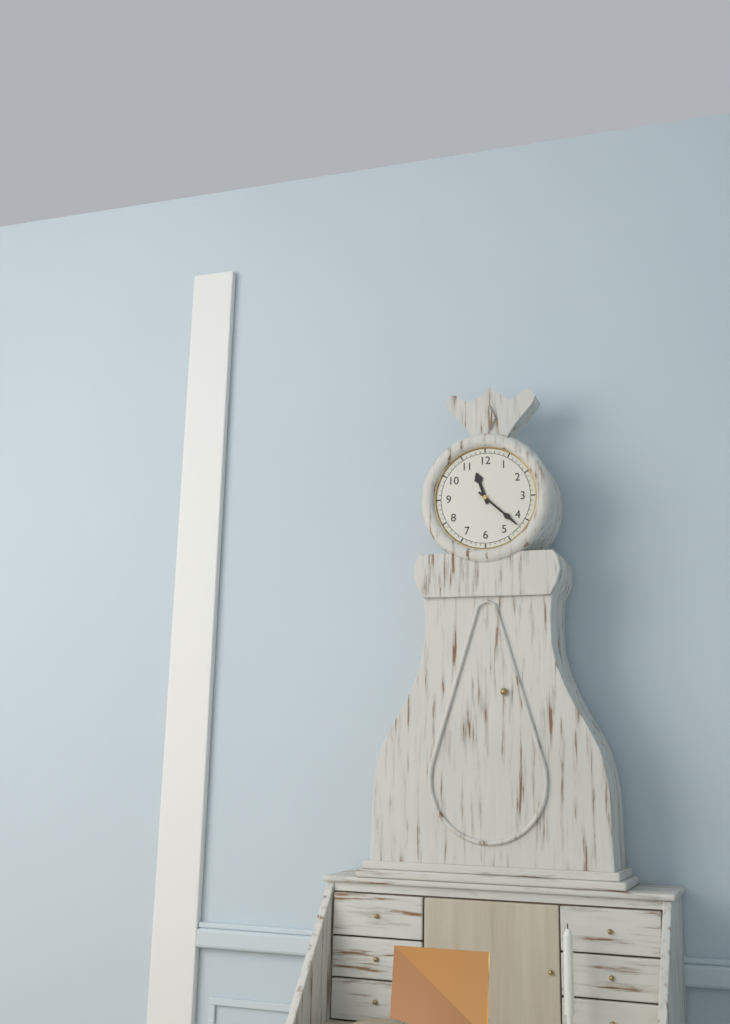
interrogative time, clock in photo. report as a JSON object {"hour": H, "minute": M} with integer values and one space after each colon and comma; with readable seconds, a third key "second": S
{"hour": 11, "minute": 22}
